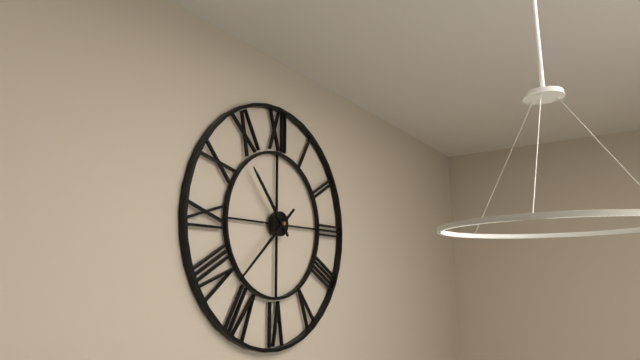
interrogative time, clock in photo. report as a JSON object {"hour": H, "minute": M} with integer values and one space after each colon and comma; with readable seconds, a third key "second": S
{"hour": 10, "minute": 38}
